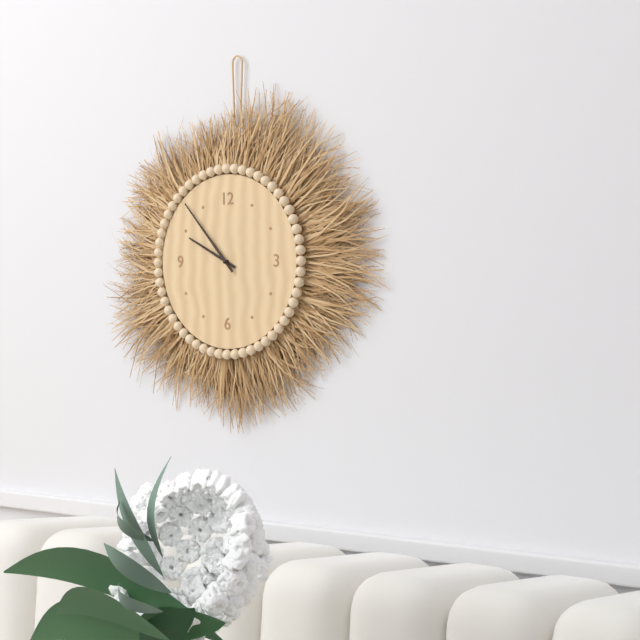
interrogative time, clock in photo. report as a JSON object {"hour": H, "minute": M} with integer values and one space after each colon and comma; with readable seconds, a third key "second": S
{"hour": 9, "minute": 53}
